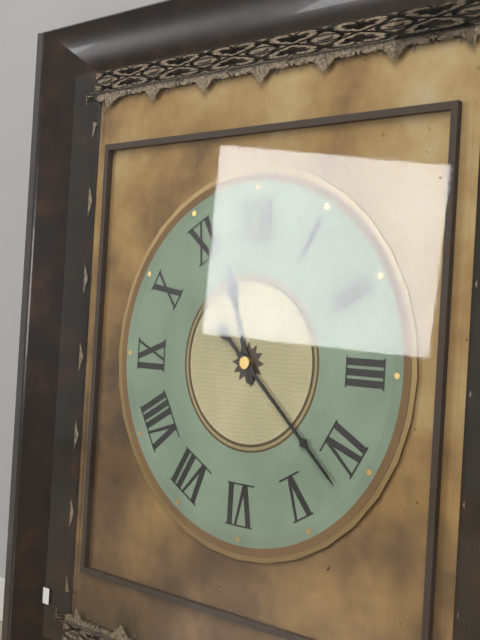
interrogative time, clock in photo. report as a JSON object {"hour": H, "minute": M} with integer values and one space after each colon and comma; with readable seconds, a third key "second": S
{"hour": 11, "minute": 22}
